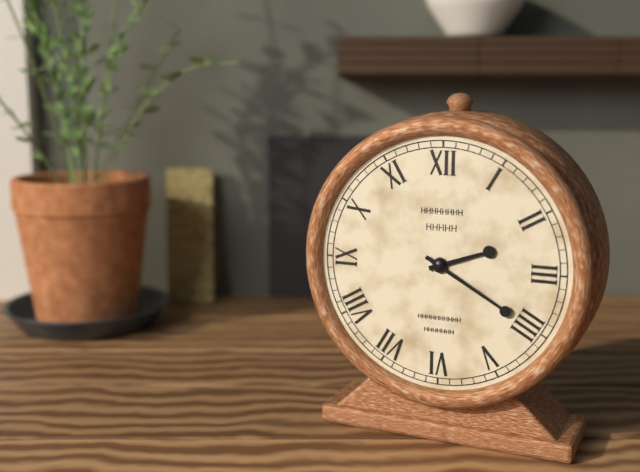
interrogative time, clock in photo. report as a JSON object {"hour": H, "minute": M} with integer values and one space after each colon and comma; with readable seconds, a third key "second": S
{"hour": 2, "minute": 20}
